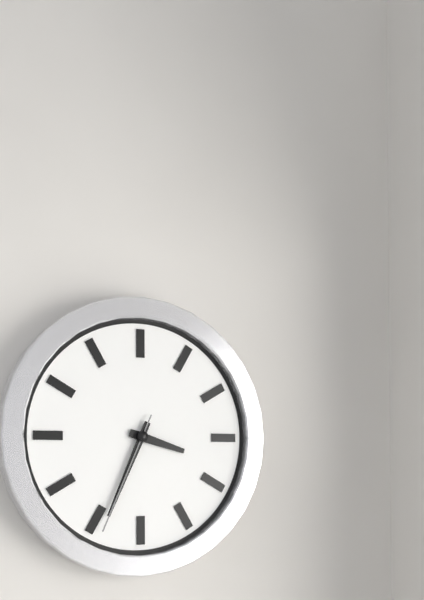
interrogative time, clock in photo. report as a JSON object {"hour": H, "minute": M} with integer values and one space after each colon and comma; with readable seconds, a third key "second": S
{"hour": 3, "minute": 34, "second": 34}
